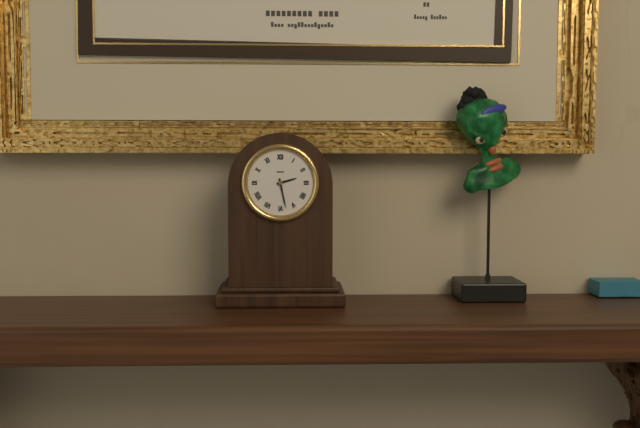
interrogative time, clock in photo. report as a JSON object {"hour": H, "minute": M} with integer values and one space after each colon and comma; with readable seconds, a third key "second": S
{"hour": 2, "minute": 28}
